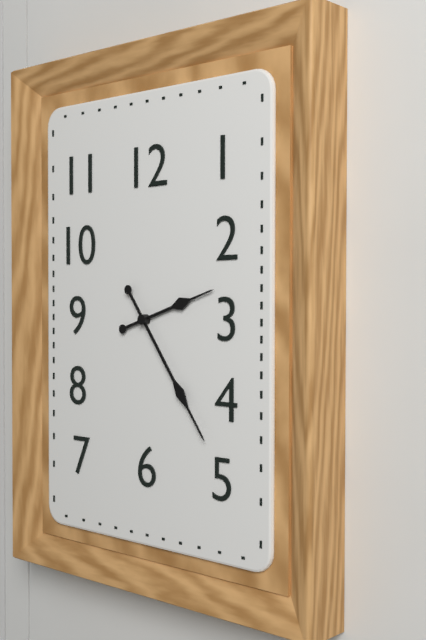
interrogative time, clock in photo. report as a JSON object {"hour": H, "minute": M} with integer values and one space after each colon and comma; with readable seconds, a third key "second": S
{"hour": 2, "minute": 24}
